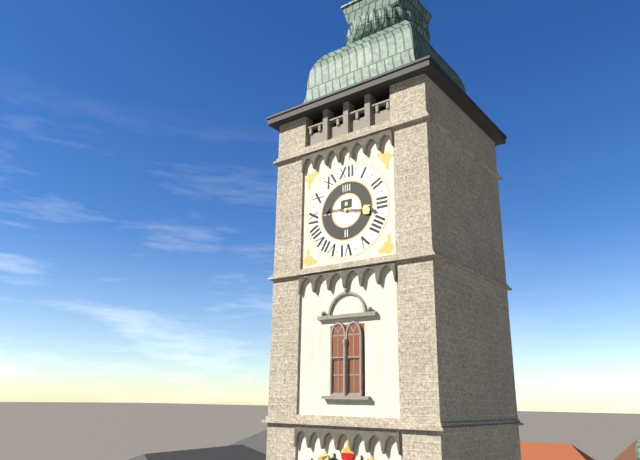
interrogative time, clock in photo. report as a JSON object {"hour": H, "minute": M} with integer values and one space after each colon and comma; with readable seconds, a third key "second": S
{"hour": 3, "minute": 17}
